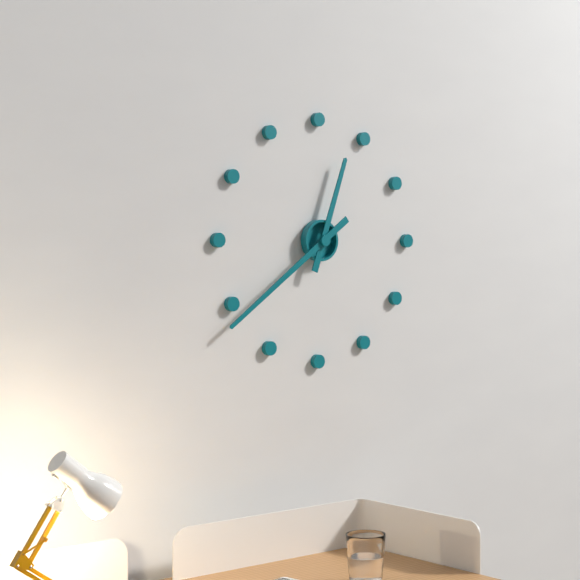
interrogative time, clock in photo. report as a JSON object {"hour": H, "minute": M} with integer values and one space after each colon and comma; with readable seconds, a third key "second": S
{"hour": 12, "minute": 39}
